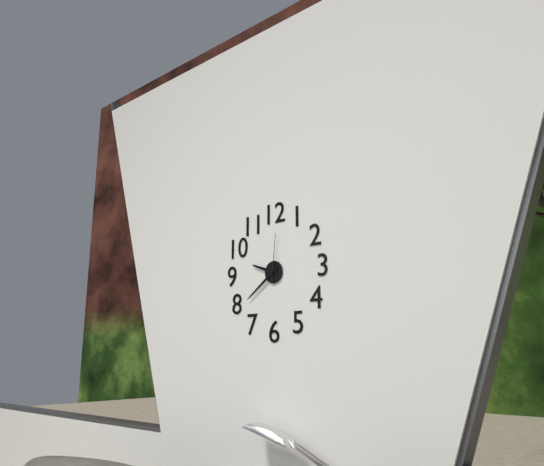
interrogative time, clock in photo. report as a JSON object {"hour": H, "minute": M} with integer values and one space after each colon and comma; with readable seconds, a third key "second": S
{"hour": 9, "minute": 39}
